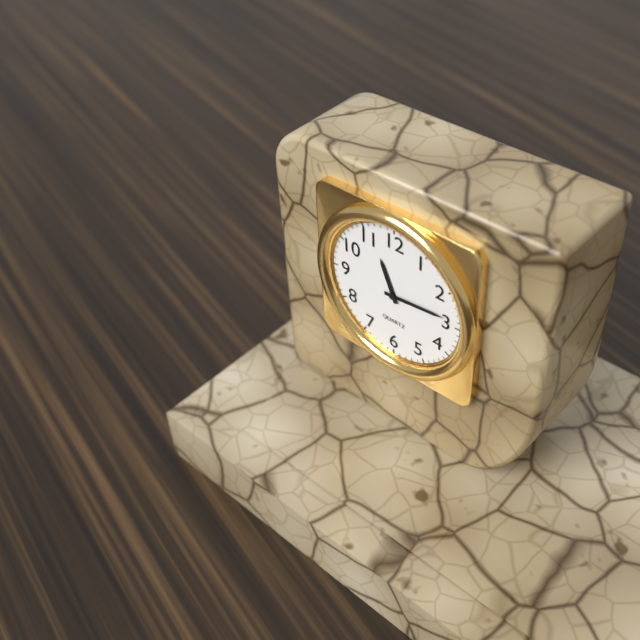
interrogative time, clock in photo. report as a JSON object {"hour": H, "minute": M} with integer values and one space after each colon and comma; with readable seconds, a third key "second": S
{"hour": 11, "minute": 14}
